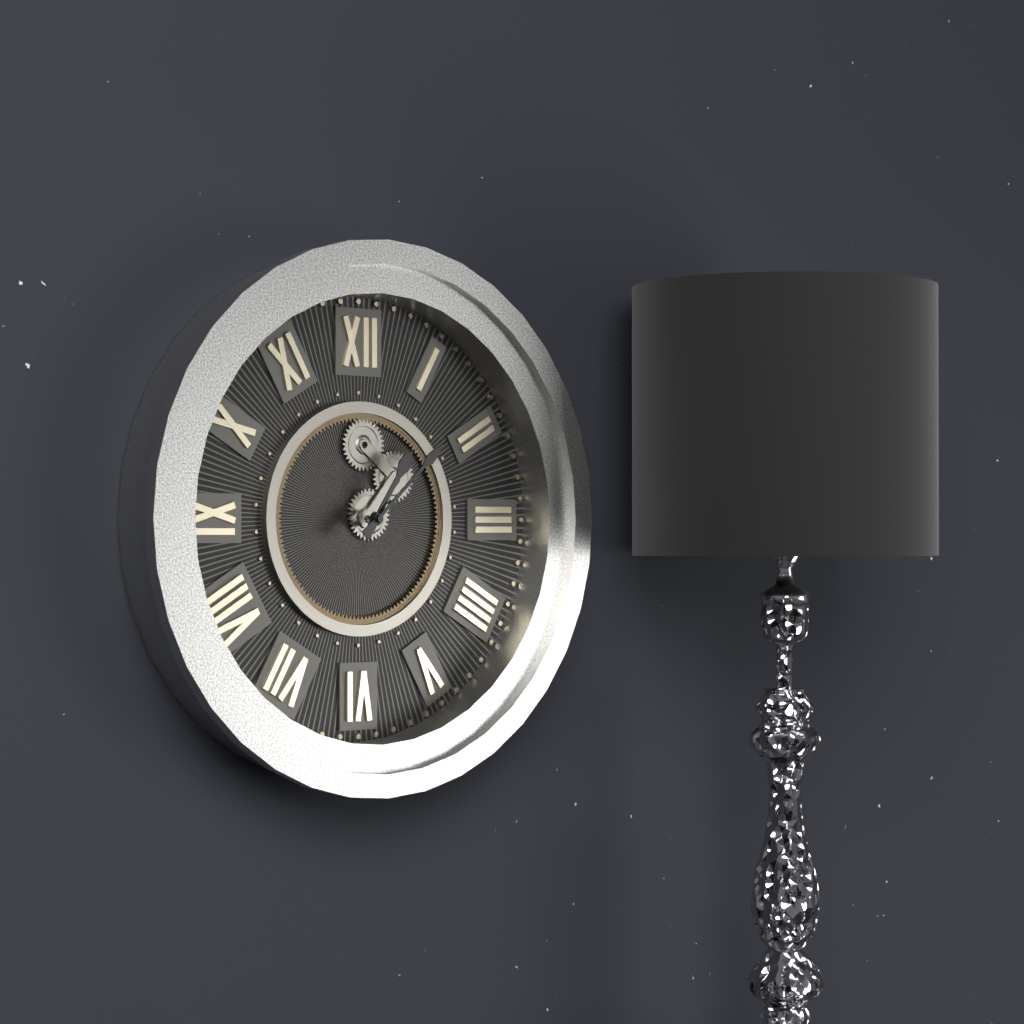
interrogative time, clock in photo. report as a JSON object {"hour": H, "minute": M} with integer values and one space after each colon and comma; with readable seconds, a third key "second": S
{"hour": 1, "minute": 8}
